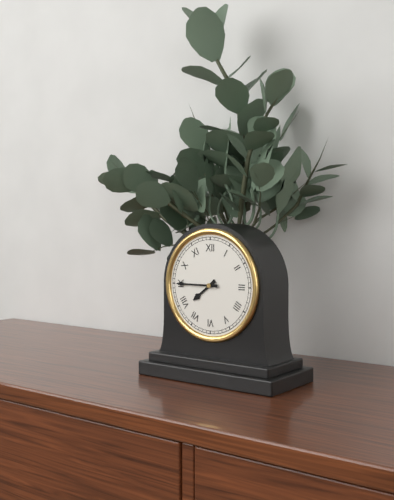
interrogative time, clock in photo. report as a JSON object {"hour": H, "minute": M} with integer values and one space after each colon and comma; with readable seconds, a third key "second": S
{"hour": 7, "minute": 45}
